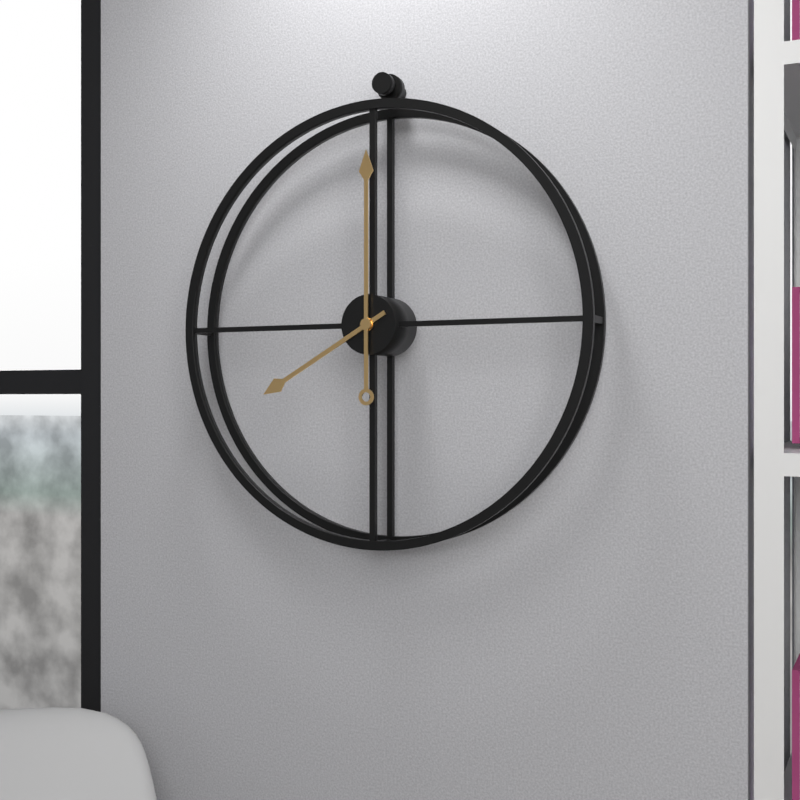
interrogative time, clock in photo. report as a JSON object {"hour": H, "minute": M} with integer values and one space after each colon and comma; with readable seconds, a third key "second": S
{"hour": 8, "minute": 0}
